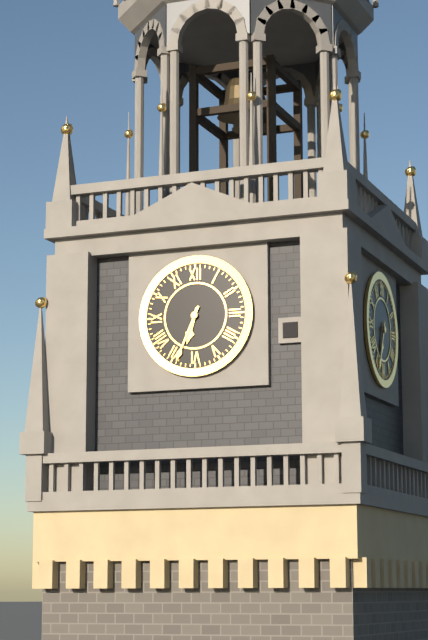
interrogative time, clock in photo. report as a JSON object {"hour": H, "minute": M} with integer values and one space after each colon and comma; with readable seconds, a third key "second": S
{"hour": 6, "minute": 34}
